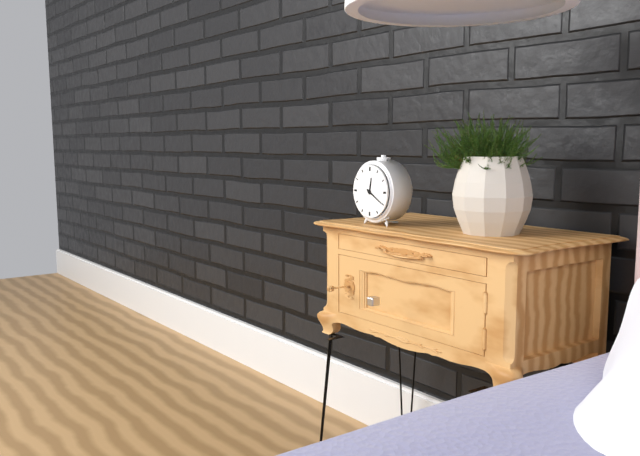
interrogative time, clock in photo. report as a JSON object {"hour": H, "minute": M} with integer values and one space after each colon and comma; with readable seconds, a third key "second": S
{"hour": 12, "minute": 20}
